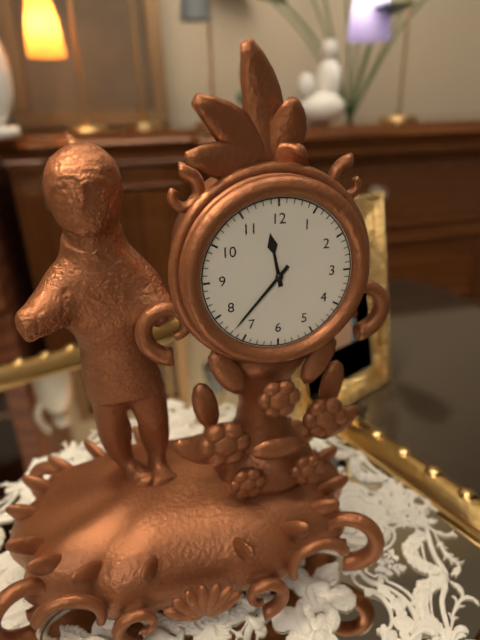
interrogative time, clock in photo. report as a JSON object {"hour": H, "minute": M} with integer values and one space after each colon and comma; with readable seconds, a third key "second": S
{"hour": 11, "minute": 37}
